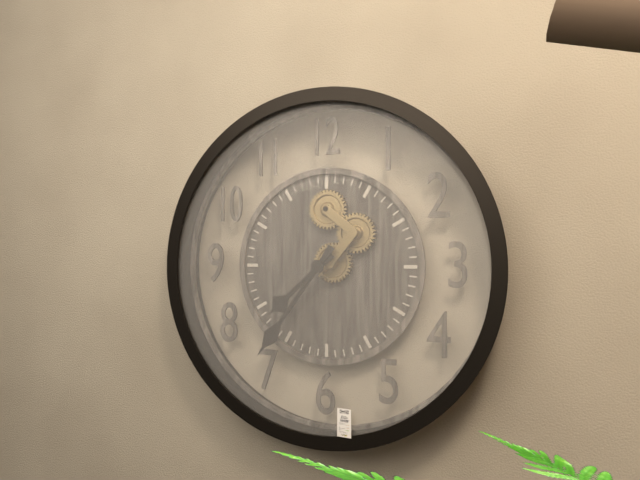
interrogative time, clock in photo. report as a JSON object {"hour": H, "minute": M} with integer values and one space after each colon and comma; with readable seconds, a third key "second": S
{"hour": 7, "minute": 36}
